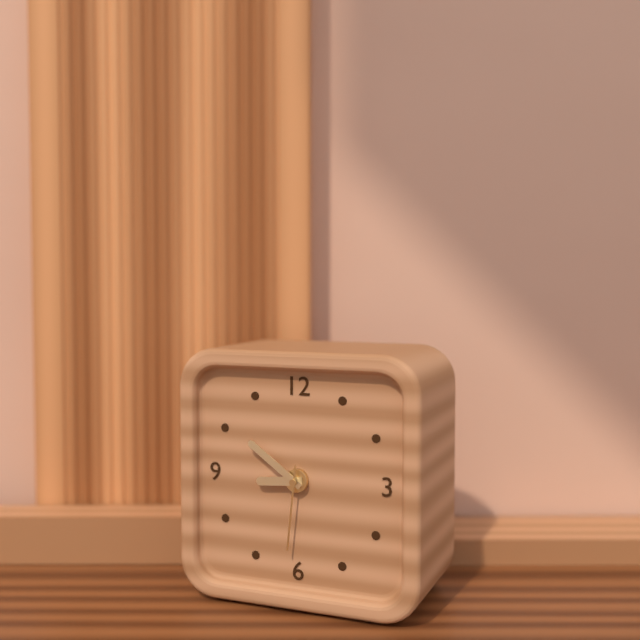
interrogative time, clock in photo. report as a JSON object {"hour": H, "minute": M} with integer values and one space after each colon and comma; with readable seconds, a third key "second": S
{"hour": 8, "minute": 51, "second": 31}
